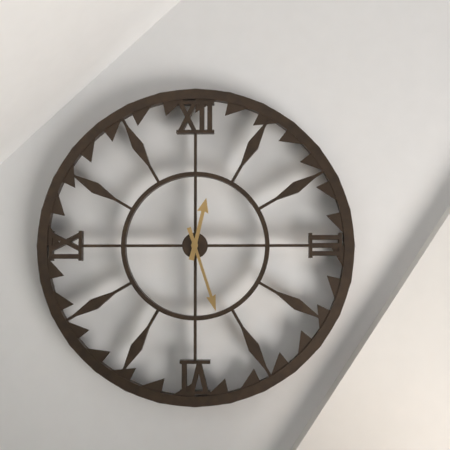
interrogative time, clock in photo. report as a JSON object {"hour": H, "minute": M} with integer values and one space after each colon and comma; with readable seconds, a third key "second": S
{"hour": 12, "minute": 27}
